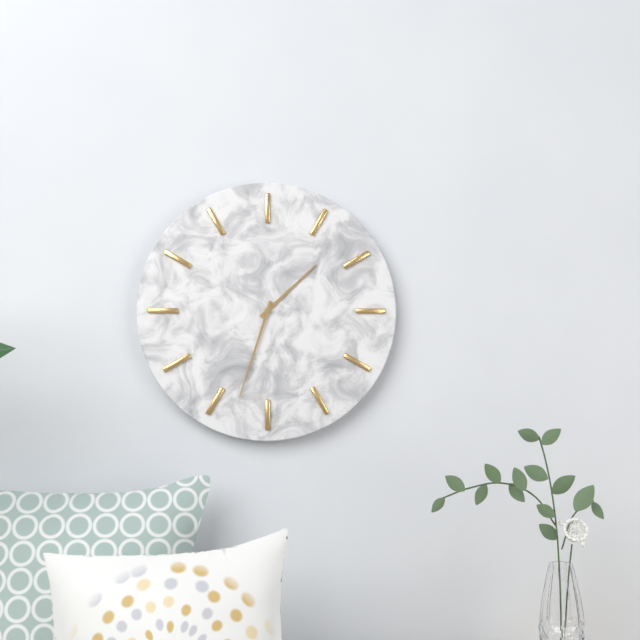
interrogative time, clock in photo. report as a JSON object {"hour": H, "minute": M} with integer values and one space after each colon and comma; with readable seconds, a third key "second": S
{"hour": 1, "minute": 33}
